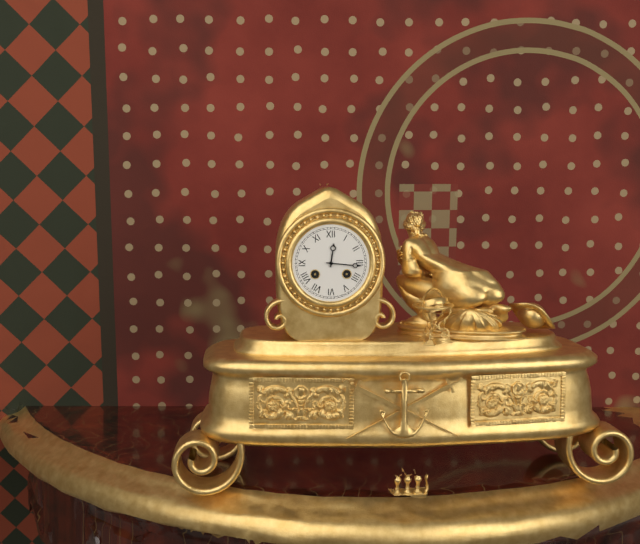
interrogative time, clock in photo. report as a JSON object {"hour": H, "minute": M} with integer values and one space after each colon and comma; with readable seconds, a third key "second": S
{"hour": 12, "minute": 16}
